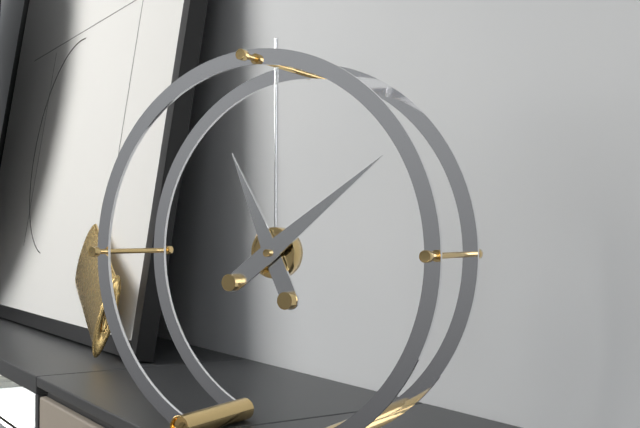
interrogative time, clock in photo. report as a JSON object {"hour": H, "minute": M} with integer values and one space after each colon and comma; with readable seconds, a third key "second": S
{"hour": 11, "minute": 9}
